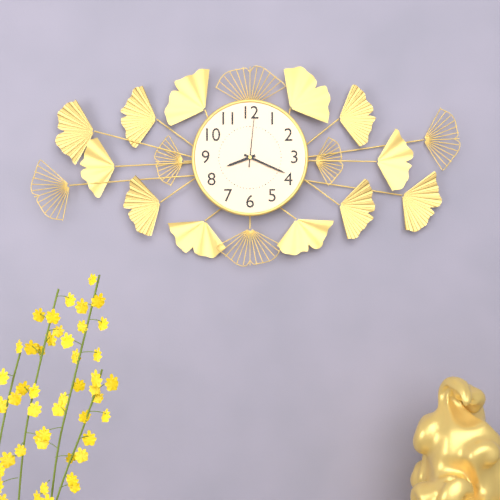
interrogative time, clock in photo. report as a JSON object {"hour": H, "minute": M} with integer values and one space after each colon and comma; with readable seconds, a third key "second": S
{"hour": 8, "minute": 19, "second": 1}
